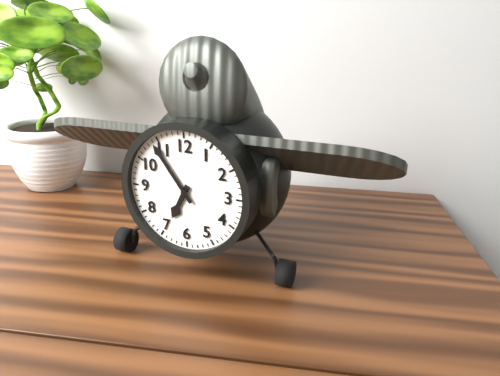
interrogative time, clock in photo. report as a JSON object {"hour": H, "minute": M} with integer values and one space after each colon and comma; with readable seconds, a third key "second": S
{"hour": 6, "minute": 54}
